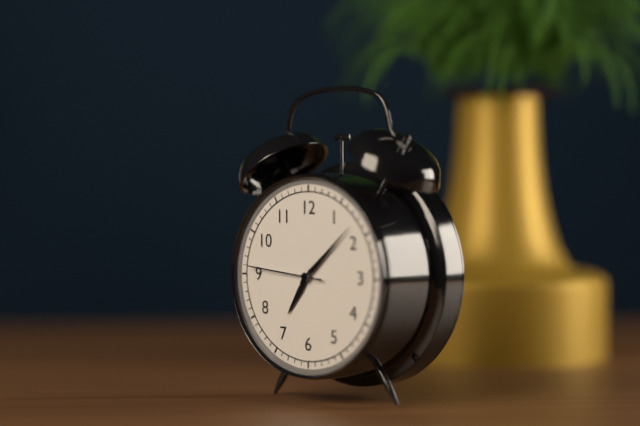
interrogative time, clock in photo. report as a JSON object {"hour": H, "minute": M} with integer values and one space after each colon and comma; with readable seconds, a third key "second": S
{"hour": 7, "minute": 8, "second": 46}
